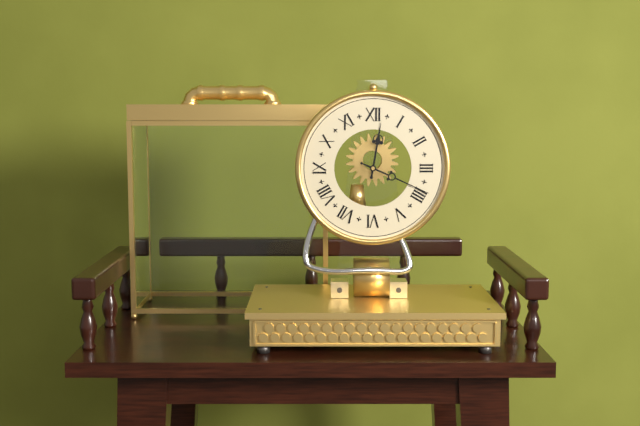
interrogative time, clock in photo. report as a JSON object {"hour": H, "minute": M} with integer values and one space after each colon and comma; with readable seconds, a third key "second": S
{"hour": 12, "minute": 19}
